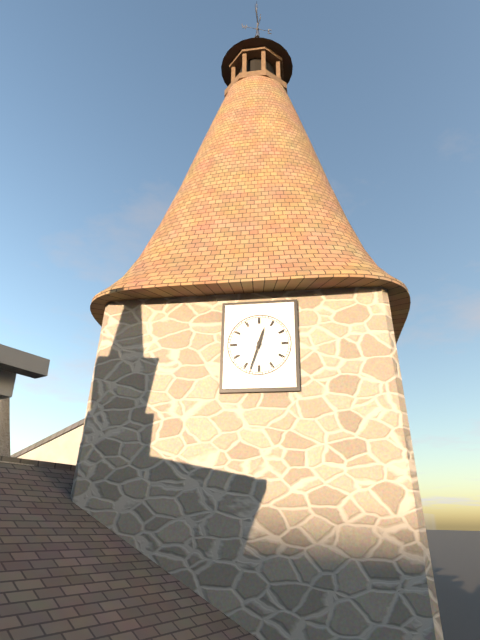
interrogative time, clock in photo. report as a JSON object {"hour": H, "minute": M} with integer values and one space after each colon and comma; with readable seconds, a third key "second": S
{"hour": 12, "minute": 33}
